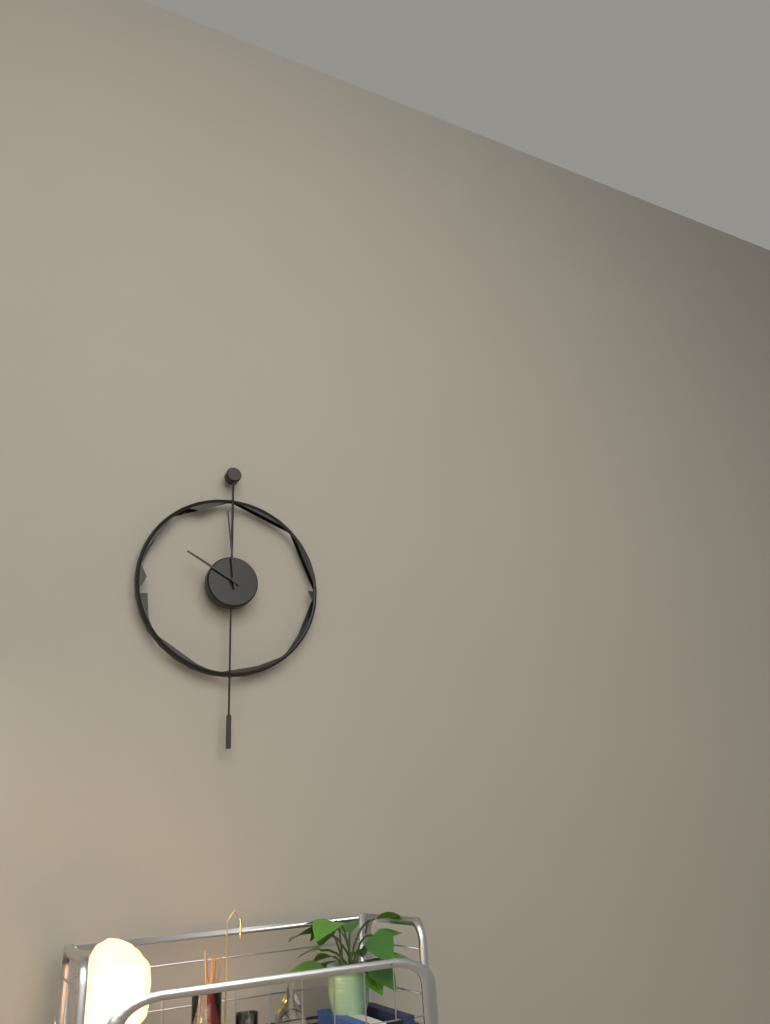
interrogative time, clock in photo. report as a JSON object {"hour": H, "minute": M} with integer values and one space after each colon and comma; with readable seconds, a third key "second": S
{"hour": 9, "minute": 59}
